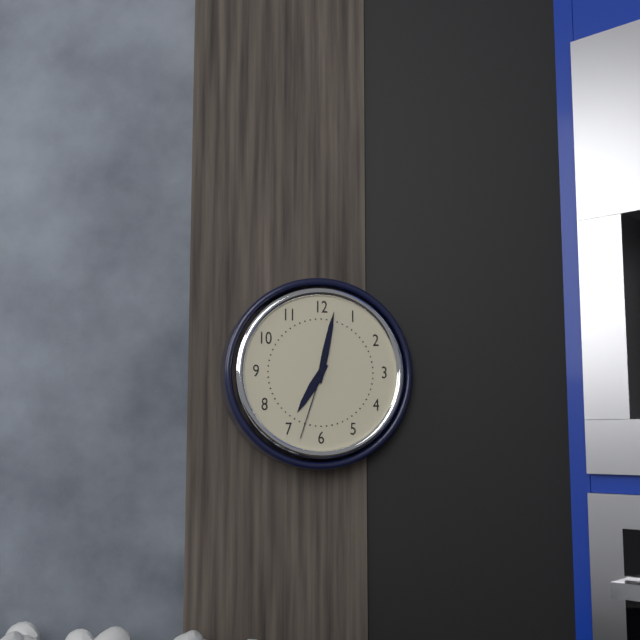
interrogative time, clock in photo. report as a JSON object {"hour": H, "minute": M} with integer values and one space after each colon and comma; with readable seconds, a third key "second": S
{"hour": 7, "minute": 2, "second": 33}
